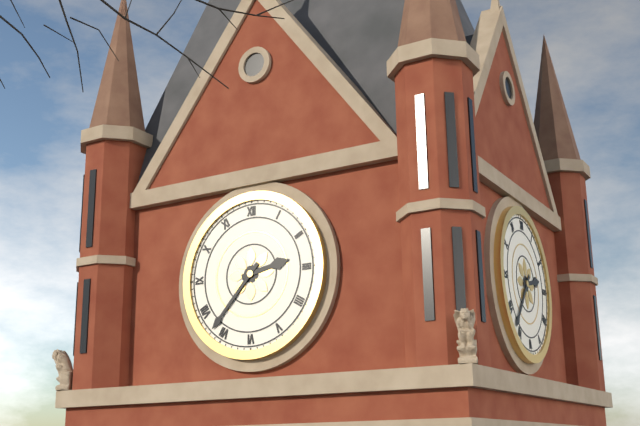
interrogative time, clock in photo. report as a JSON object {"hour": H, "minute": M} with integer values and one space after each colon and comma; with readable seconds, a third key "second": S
{"hour": 2, "minute": 37}
